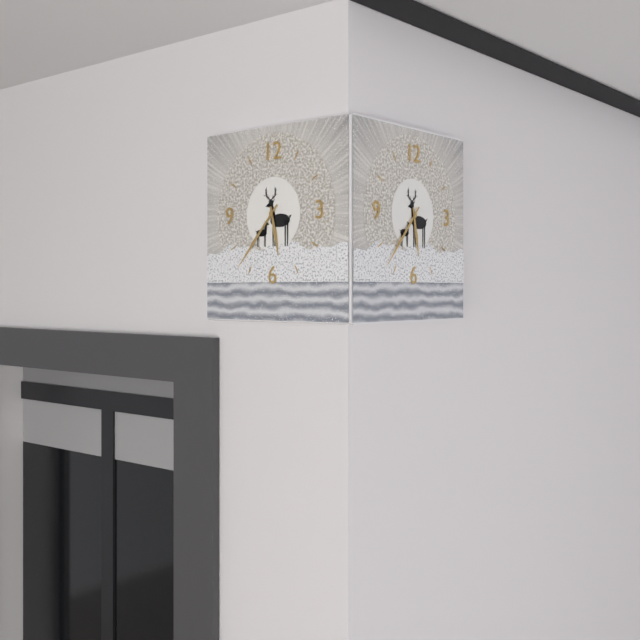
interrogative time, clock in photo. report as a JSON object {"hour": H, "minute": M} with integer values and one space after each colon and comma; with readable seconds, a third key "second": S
{"hour": 5, "minute": 37}
